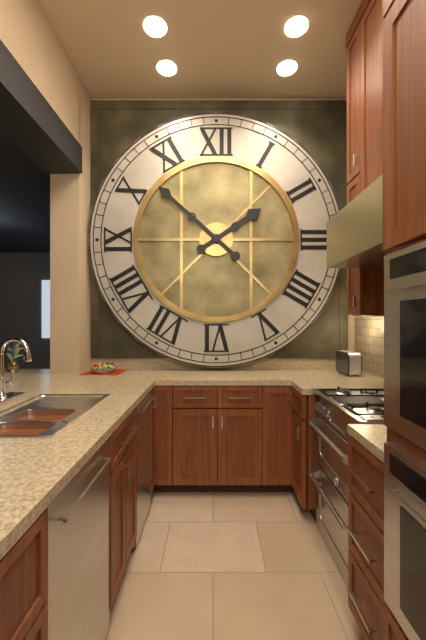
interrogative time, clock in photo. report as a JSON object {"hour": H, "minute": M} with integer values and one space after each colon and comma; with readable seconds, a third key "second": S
{"hour": 1, "minute": 52}
